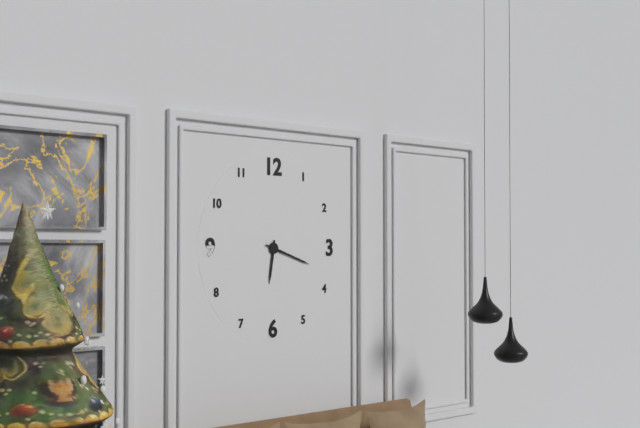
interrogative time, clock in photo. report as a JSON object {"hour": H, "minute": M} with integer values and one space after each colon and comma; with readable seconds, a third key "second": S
{"hour": 6, "minute": 18}
